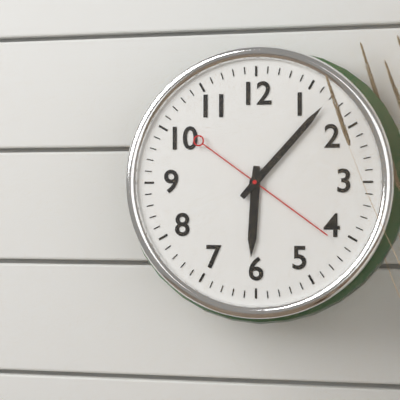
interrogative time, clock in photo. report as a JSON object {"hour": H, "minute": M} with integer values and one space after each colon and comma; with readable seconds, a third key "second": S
{"hour": 6, "minute": 7, "second": 21}
